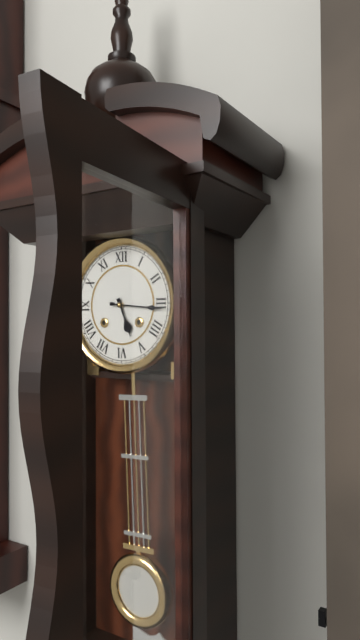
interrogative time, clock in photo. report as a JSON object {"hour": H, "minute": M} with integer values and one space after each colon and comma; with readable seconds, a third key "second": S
{"hour": 5, "minute": 16}
